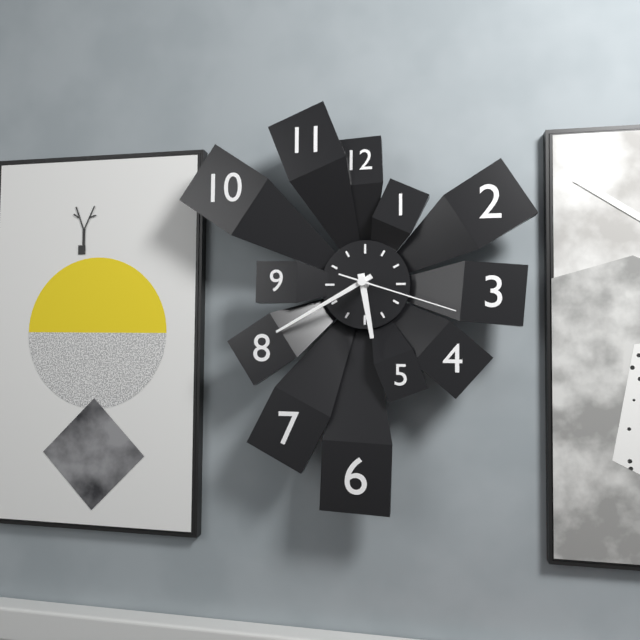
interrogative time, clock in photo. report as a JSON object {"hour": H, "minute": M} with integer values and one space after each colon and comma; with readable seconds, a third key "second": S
{"hour": 5, "minute": 40, "second": 18}
